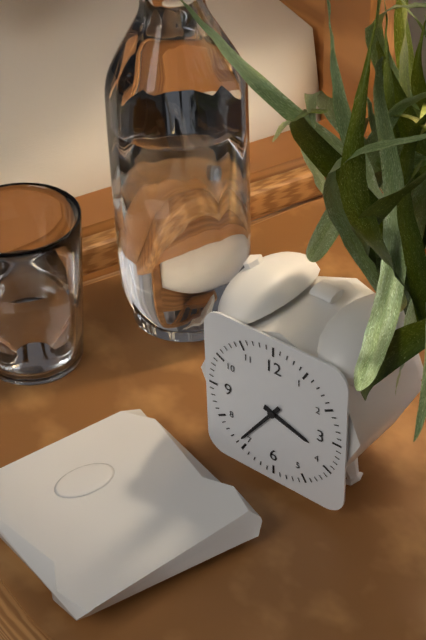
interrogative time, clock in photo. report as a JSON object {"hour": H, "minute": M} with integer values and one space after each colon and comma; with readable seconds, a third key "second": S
{"hour": 3, "minute": 36}
